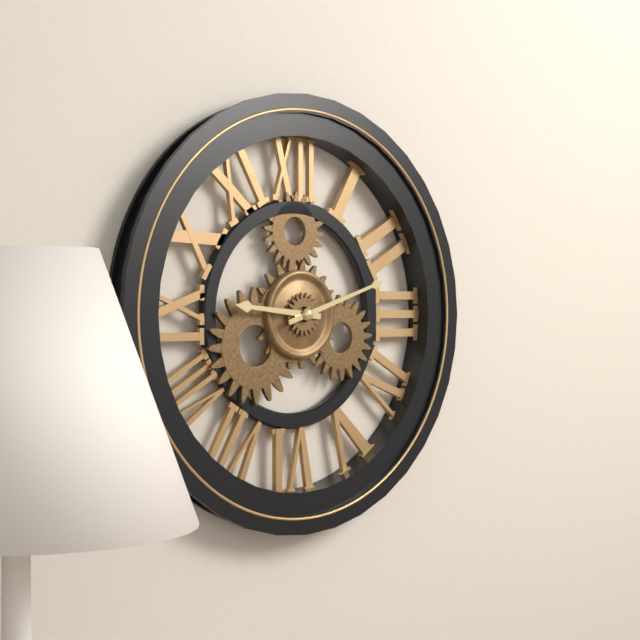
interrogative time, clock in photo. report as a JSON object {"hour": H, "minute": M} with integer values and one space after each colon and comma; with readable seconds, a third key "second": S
{"hour": 9, "minute": 12}
